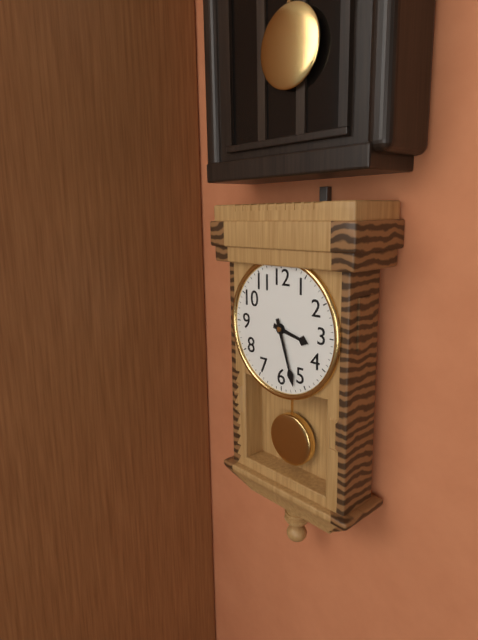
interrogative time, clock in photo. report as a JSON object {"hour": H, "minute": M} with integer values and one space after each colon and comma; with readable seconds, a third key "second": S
{"hour": 3, "minute": 27}
